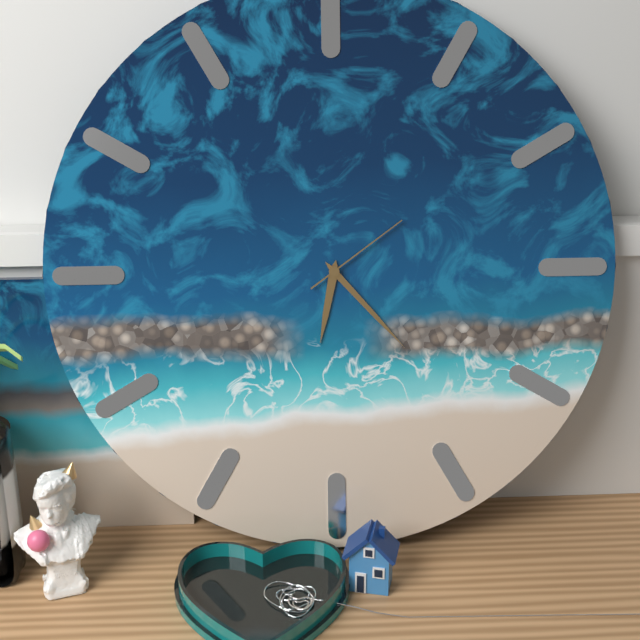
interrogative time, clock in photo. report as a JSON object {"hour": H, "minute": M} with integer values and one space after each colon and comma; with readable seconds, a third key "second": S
{"hour": 6, "minute": 23, "second": 9}
